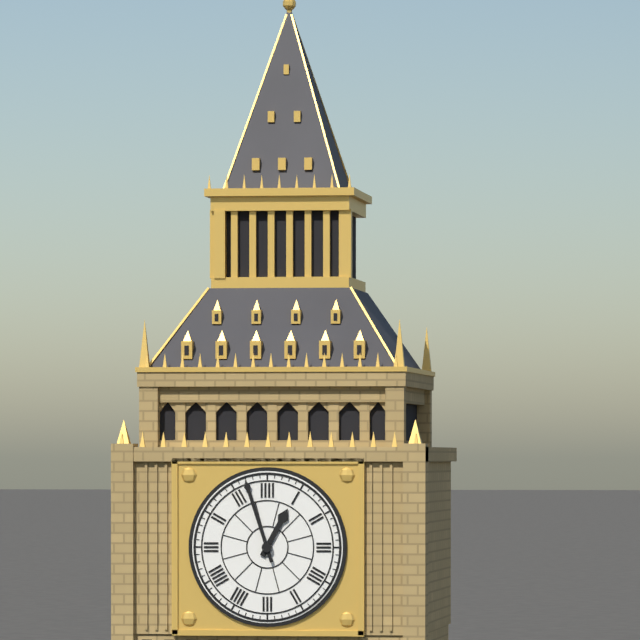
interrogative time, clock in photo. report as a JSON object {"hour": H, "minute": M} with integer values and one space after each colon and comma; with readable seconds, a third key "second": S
{"hour": 12, "minute": 57}
